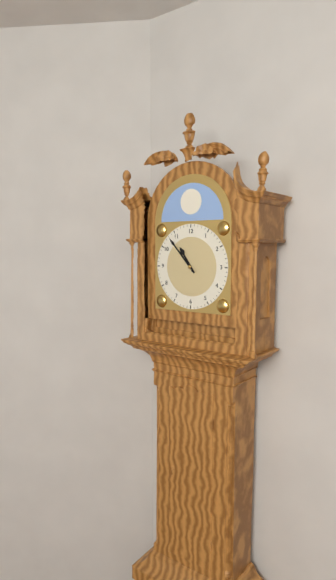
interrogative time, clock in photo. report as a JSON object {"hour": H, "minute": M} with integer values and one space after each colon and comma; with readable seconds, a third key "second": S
{"hour": 10, "minute": 53}
